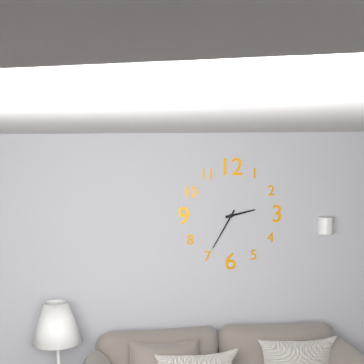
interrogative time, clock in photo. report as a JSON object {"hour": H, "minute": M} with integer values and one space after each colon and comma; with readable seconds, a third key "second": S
{"hour": 2, "minute": 35}
